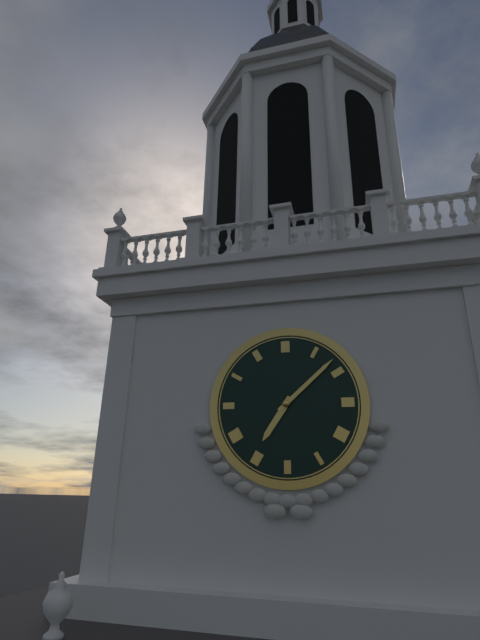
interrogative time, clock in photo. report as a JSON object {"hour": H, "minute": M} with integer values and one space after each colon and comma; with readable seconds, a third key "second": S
{"hour": 7, "minute": 8}
